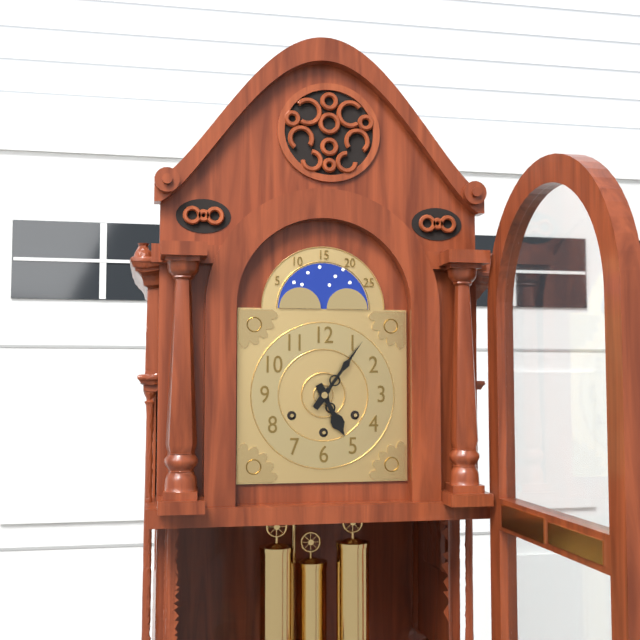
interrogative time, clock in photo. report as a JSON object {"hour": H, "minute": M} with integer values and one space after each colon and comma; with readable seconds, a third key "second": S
{"hour": 5, "minute": 6}
